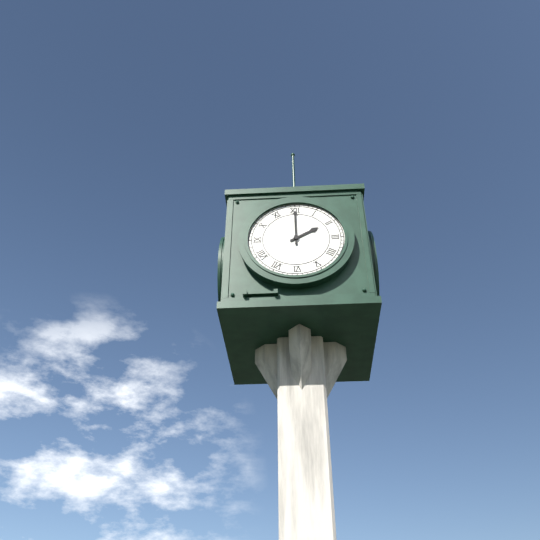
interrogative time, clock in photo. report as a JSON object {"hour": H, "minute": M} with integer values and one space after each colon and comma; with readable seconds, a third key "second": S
{"hour": 2, "minute": 0}
